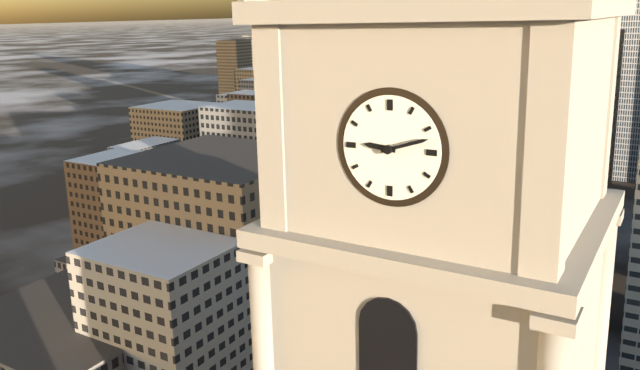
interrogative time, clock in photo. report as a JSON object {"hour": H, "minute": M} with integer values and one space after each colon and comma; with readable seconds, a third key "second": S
{"hour": 9, "minute": 12}
